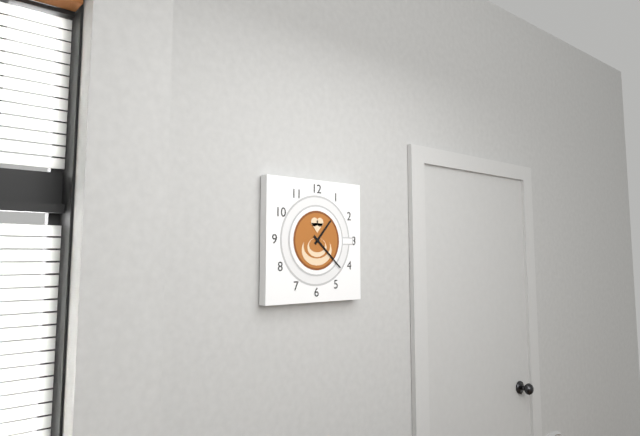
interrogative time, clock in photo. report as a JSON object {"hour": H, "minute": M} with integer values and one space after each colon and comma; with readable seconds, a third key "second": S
{"hour": 1, "minute": 22}
